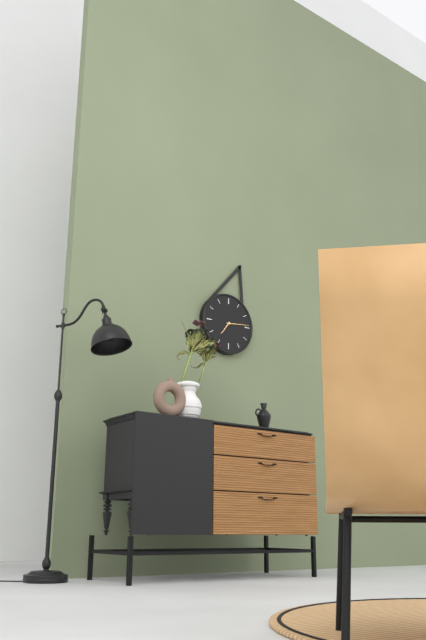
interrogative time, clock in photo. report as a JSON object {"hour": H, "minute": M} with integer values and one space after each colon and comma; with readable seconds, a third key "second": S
{"hour": 7, "minute": 14}
